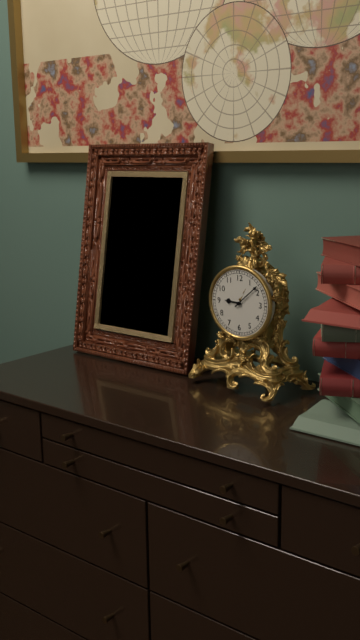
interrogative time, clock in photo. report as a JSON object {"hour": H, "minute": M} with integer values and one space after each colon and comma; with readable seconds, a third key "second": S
{"hour": 9, "minute": 8}
